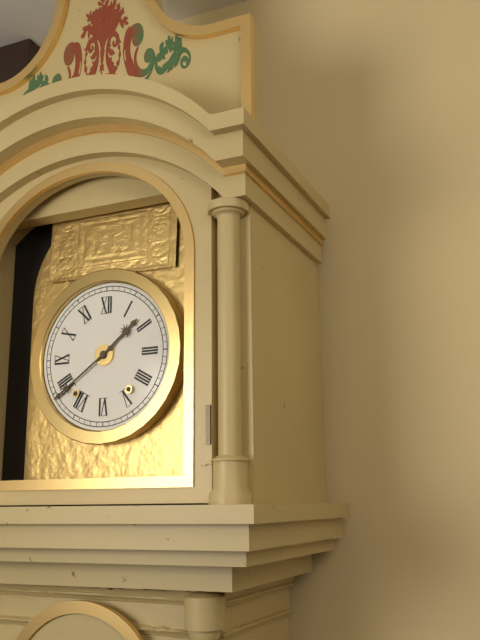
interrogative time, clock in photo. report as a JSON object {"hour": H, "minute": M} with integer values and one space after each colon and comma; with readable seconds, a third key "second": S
{"hour": 1, "minute": 39}
